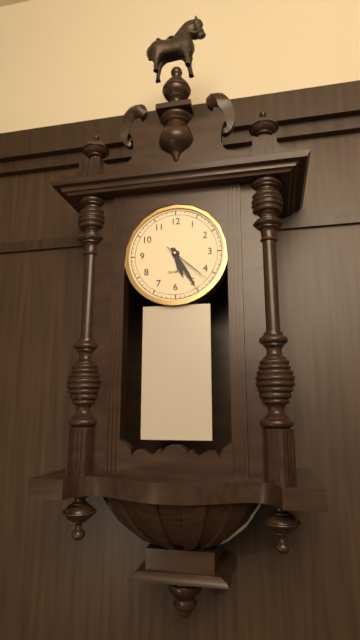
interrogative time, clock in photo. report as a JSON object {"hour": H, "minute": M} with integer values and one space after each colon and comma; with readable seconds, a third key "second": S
{"hour": 5, "minute": 25, "second": 22}
